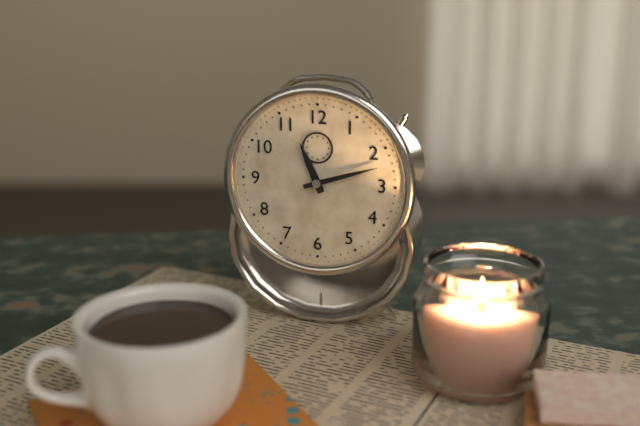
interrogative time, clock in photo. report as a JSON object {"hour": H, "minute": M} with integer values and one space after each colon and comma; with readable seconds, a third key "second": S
{"hour": 11, "minute": 12}
